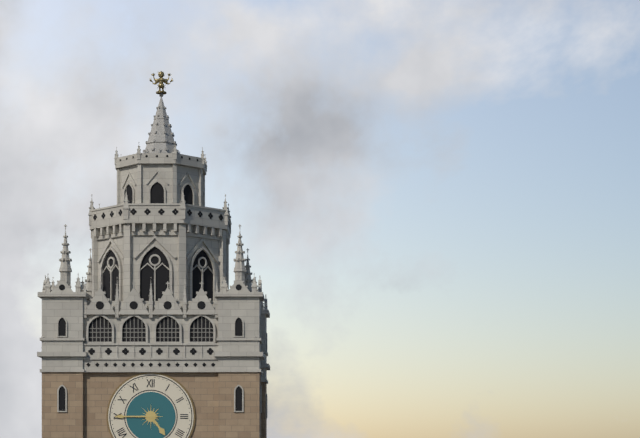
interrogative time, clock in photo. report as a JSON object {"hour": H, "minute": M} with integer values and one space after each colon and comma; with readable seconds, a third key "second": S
{"hour": 4, "minute": 45}
